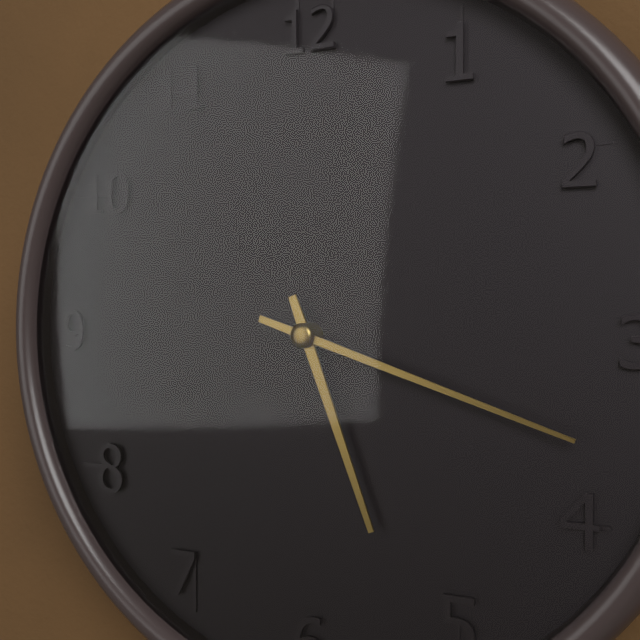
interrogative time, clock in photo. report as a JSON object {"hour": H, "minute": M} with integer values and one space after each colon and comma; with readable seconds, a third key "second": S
{"hour": 5, "minute": 18}
